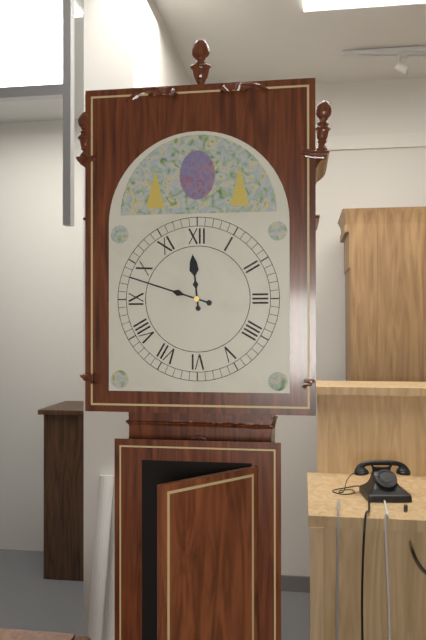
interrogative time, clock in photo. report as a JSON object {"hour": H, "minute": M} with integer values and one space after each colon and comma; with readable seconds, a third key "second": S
{"hour": 11, "minute": 48}
